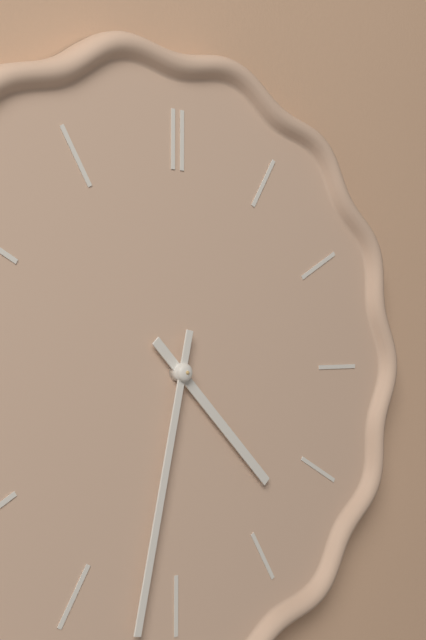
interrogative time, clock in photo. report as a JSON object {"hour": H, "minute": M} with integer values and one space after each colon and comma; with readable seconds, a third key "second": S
{"hour": 4, "minute": 32}
